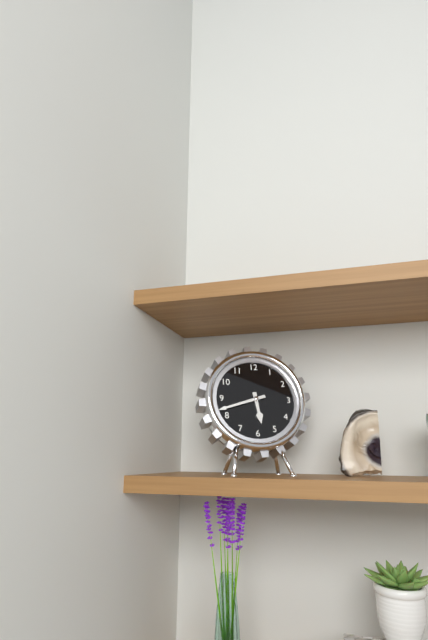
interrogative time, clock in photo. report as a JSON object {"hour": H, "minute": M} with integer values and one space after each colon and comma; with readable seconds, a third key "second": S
{"hour": 5, "minute": 42}
